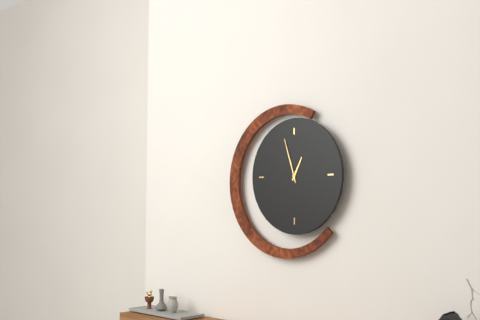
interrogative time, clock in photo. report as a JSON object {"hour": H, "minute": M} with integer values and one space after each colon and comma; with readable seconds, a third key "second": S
{"hour": 12, "minute": 57}
